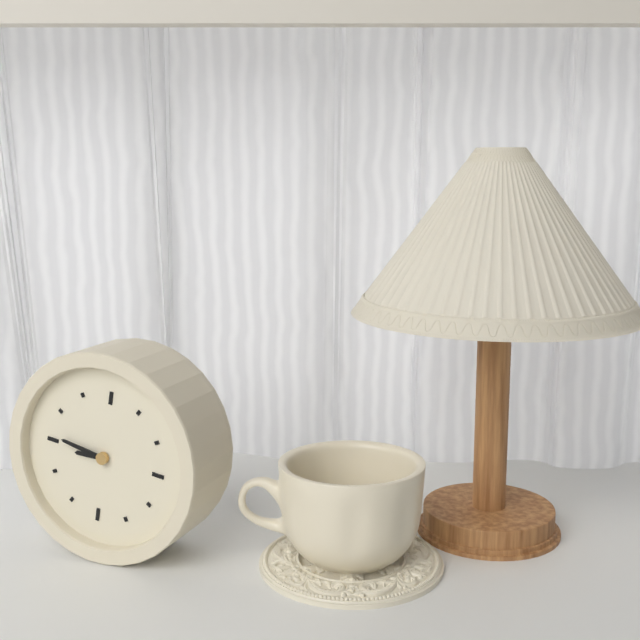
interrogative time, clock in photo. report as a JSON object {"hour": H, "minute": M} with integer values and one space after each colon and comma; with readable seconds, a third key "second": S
{"hour": 8, "minute": 46}
